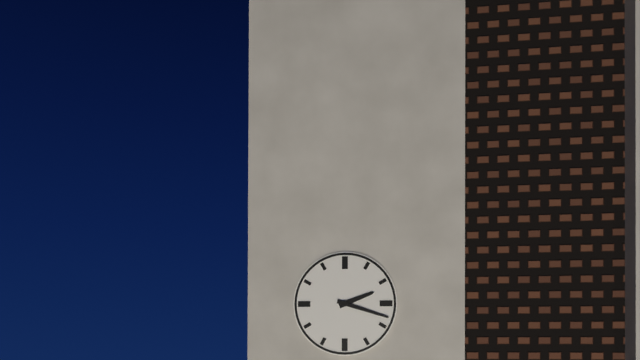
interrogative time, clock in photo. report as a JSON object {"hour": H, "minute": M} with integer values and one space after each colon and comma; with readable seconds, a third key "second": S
{"hour": 2, "minute": 18}
